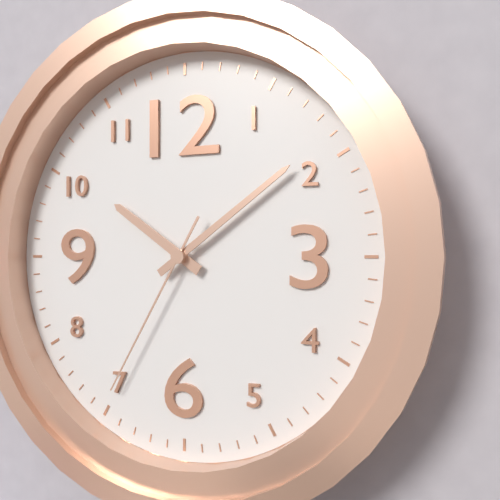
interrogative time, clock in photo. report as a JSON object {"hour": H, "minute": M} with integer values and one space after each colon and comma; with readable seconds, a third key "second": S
{"hour": 10, "minute": 9, "second": 35}
